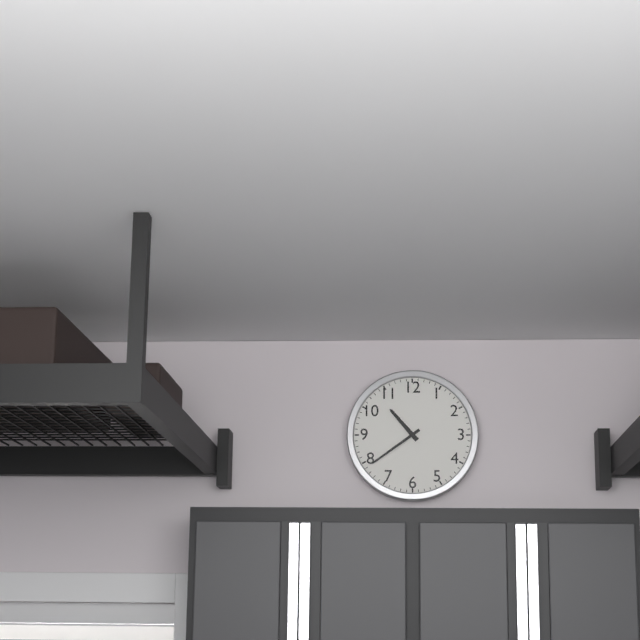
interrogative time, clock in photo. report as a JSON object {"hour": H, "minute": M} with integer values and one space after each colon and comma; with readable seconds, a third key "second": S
{"hour": 10, "minute": 39}
